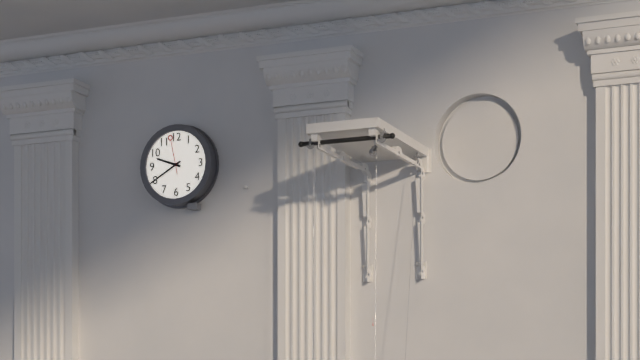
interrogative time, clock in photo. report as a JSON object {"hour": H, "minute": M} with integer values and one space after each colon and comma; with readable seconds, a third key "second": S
{"hour": 9, "minute": 40}
